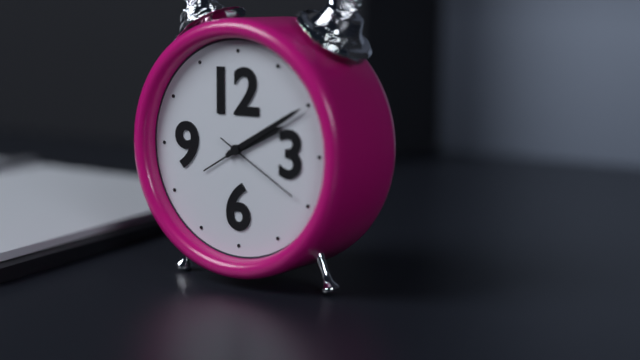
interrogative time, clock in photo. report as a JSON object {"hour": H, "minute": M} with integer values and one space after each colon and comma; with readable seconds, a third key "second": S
{"hour": 2, "minute": 10, "second": 20}
